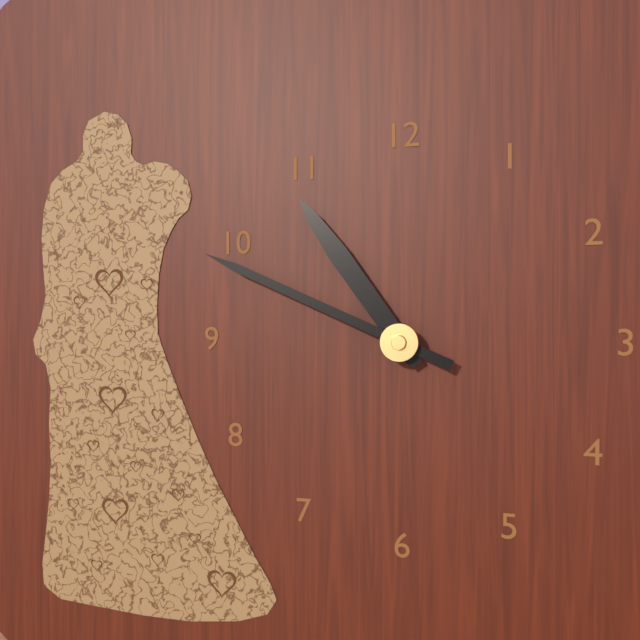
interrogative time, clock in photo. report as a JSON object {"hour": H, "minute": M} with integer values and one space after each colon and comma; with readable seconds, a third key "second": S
{"hour": 10, "minute": 49}
